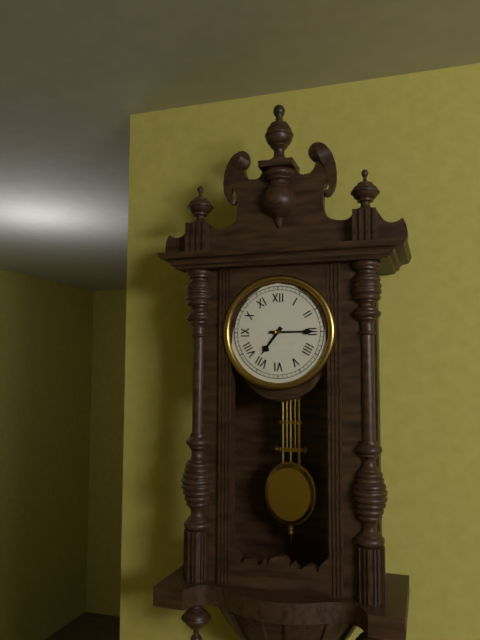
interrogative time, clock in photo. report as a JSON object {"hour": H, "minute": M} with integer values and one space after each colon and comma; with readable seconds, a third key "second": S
{"hour": 7, "minute": 15}
